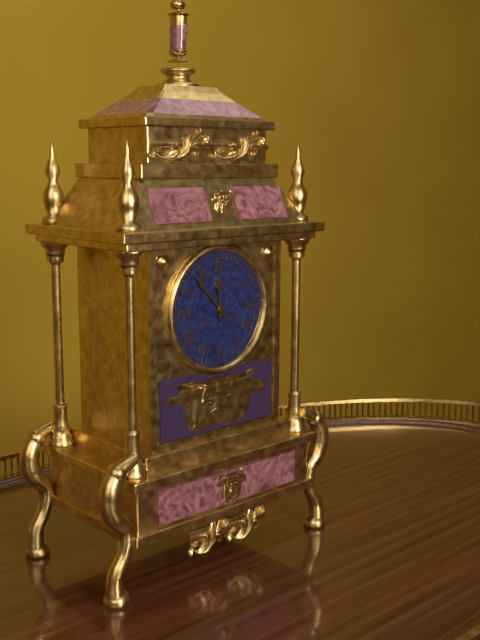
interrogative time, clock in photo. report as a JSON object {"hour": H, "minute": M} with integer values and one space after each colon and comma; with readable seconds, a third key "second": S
{"hour": 11, "minute": 53}
